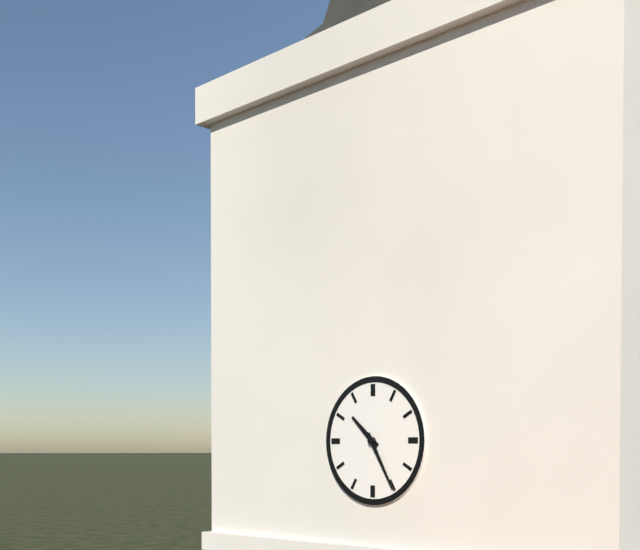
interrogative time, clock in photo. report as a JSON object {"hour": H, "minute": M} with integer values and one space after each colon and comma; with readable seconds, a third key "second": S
{"hour": 10, "minute": 25}
